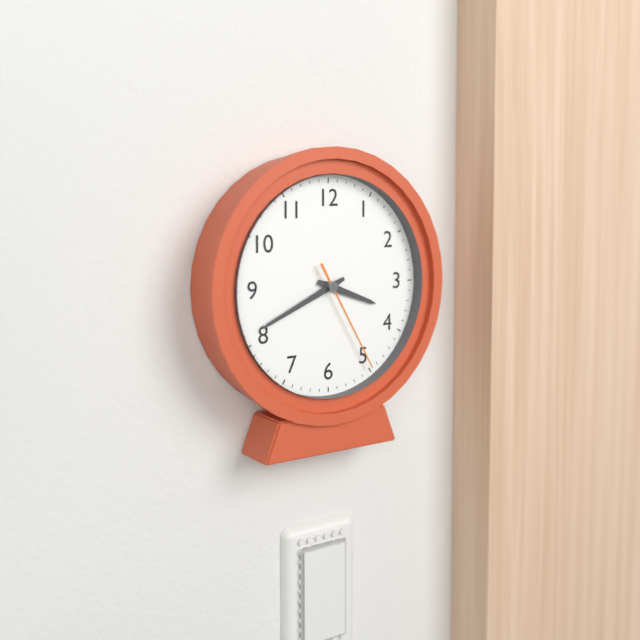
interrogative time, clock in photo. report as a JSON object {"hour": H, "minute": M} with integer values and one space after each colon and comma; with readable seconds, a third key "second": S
{"hour": 3, "minute": 41, "second": 25}
